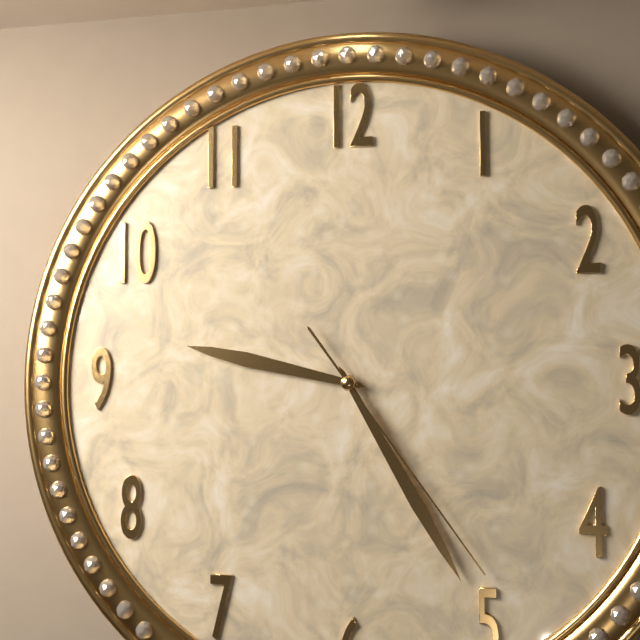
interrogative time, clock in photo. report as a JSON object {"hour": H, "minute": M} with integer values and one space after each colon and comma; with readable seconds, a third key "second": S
{"hour": 9, "minute": 25, "second": 24}
